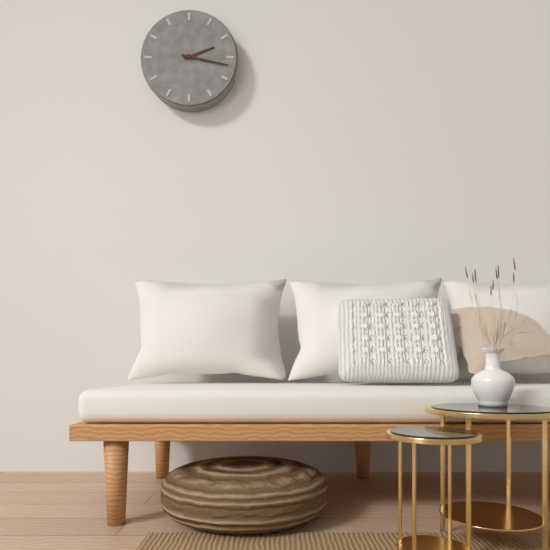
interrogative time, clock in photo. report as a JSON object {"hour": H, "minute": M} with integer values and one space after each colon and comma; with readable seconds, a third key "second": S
{"hour": 2, "minute": 17}
